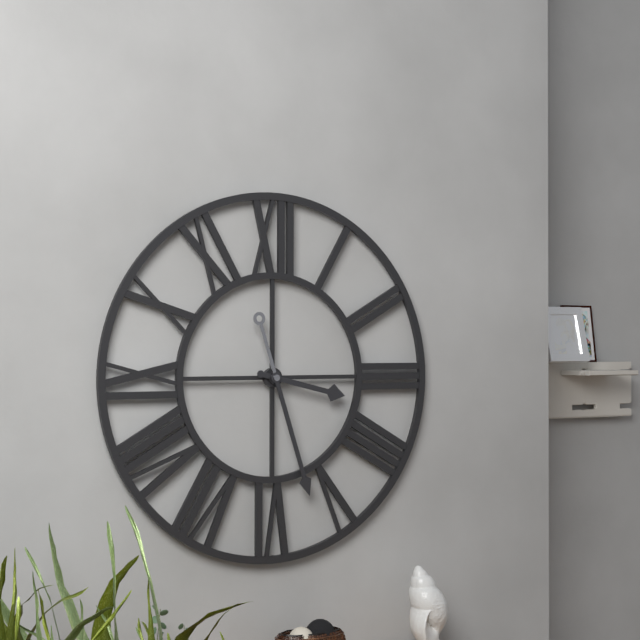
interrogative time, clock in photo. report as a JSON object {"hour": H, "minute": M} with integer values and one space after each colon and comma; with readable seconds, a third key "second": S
{"hour": 3, "minute": 27}
